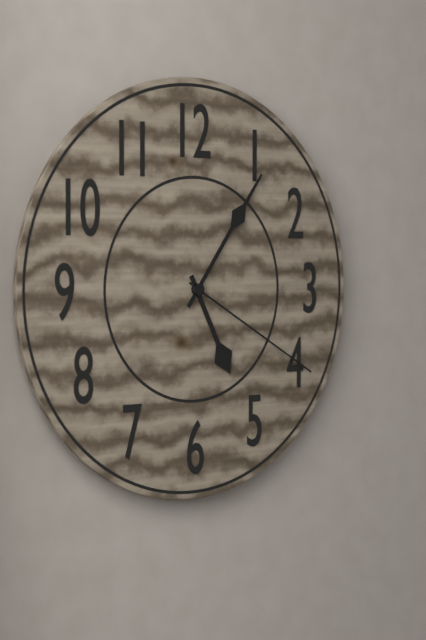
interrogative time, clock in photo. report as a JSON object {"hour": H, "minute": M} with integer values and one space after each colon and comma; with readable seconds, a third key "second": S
{"hour": 5, "minute": 6, "second": 20}
